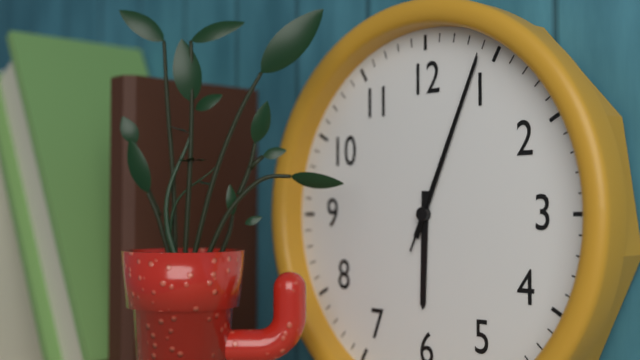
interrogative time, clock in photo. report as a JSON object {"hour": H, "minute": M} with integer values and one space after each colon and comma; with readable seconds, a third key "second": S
{"hour": 6, "minute": 4, "second": 4}
